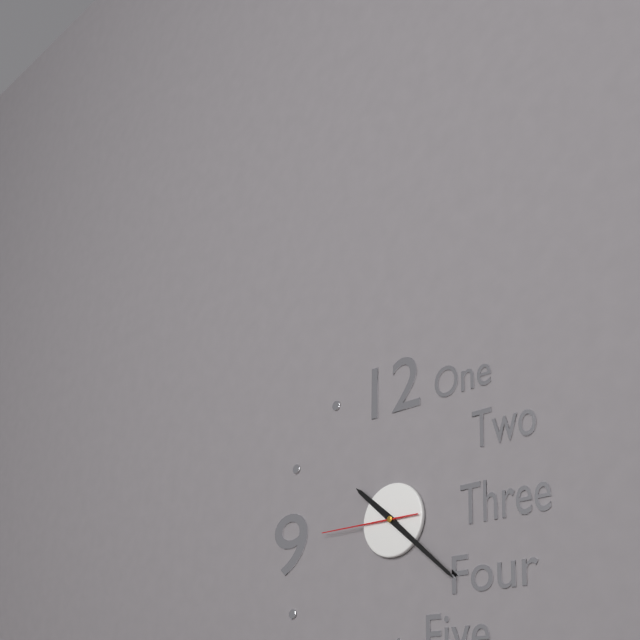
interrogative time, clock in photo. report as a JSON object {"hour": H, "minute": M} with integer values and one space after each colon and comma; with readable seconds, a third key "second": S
{"hour": 10, "minute": 22, "second": 45}
